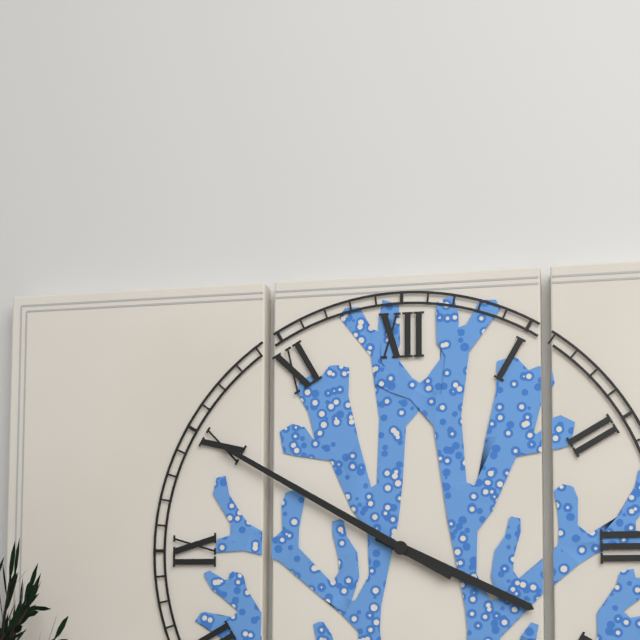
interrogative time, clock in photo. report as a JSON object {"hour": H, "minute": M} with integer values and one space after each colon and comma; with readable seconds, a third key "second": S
{"hour": 3, "minute": 50}
